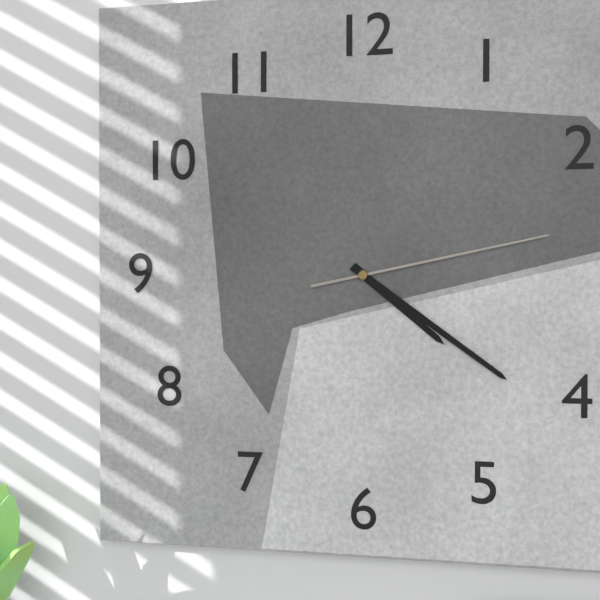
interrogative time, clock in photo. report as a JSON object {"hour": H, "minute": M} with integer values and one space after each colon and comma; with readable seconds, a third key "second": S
{"hour": 4, "minute": 21, "second": 13}
